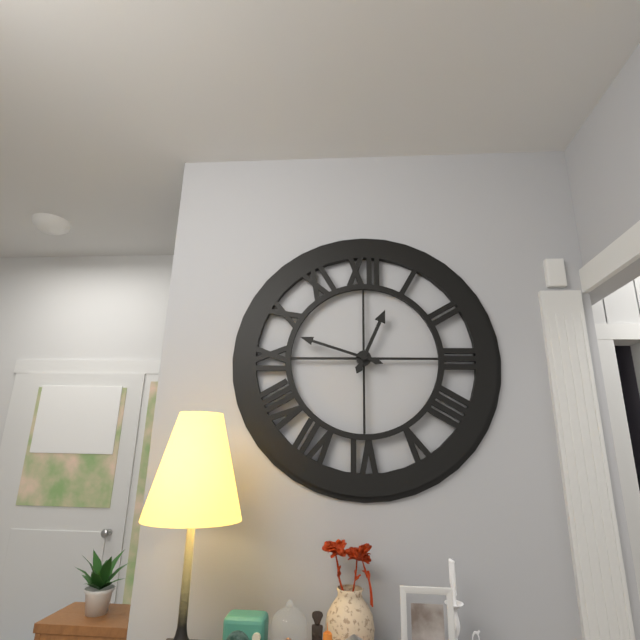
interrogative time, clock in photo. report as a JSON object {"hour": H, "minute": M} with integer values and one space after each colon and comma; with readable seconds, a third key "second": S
{"hour": 12, "minute": 48}
